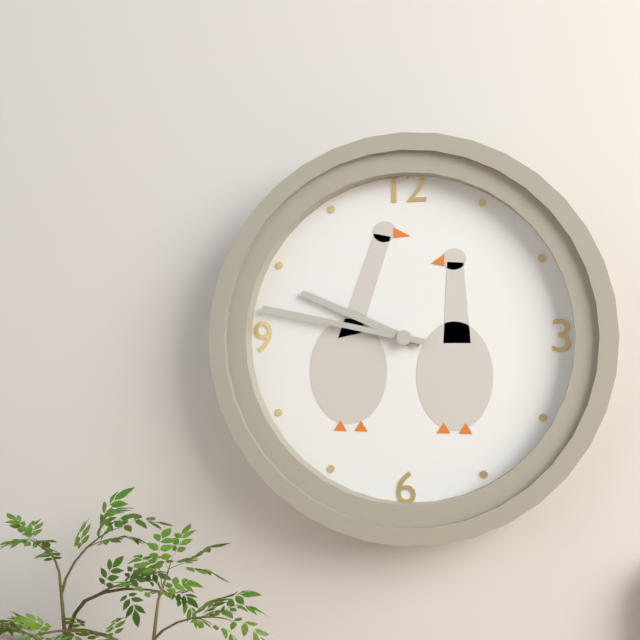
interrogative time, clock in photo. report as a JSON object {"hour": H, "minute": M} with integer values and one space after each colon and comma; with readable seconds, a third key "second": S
{"hour": 9, "minute": 47}
